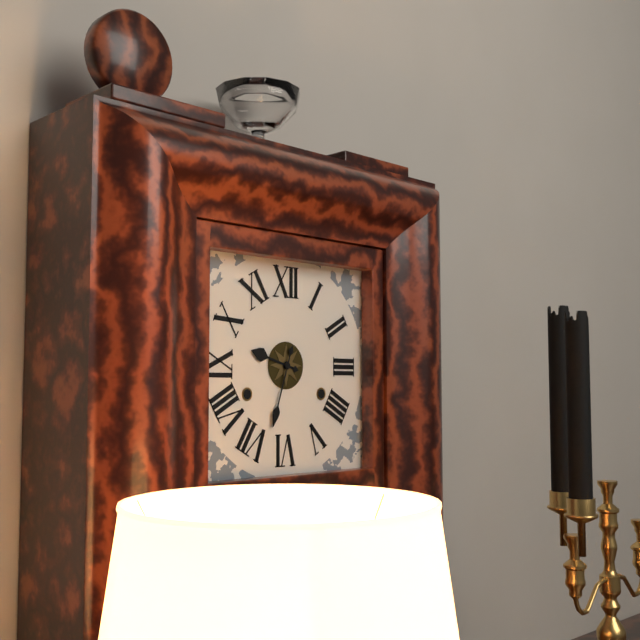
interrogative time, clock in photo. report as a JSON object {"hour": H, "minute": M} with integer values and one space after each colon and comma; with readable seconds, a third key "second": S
{"hour": 9, "minute": 33}
